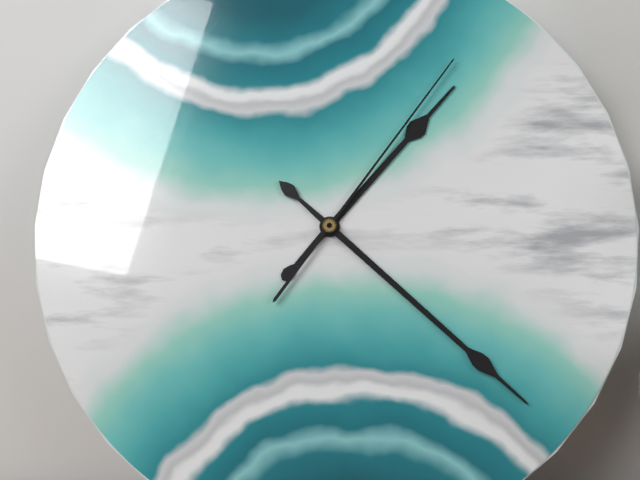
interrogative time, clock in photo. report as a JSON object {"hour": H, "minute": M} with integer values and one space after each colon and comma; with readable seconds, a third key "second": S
{"hour": 1, "minute": 22, "second": 6}
